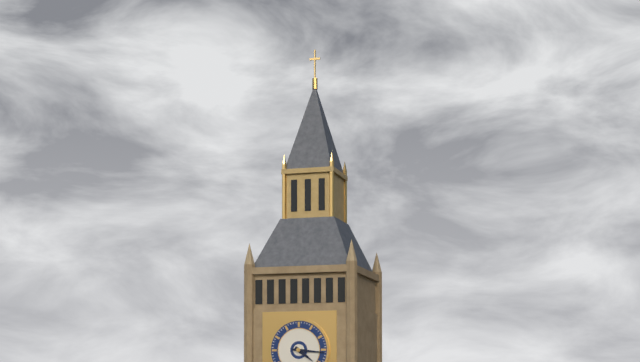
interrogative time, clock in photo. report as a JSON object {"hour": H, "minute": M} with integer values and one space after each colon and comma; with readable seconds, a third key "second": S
{"hour": 4, "minute": 16}
